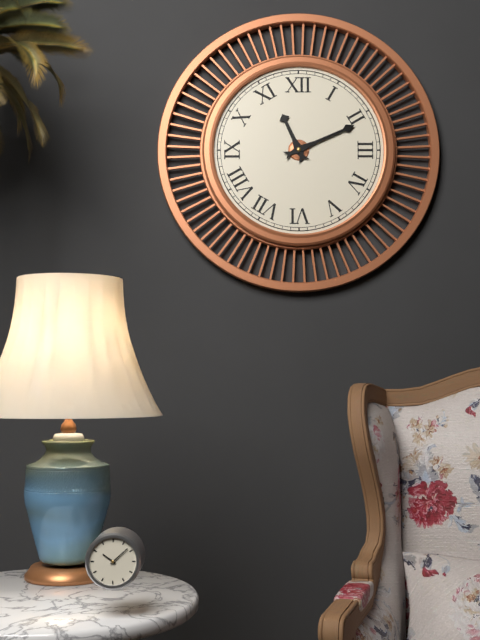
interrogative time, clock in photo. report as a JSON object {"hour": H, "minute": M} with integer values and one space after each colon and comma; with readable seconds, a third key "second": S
{"hour": 11, "minute": 11}
